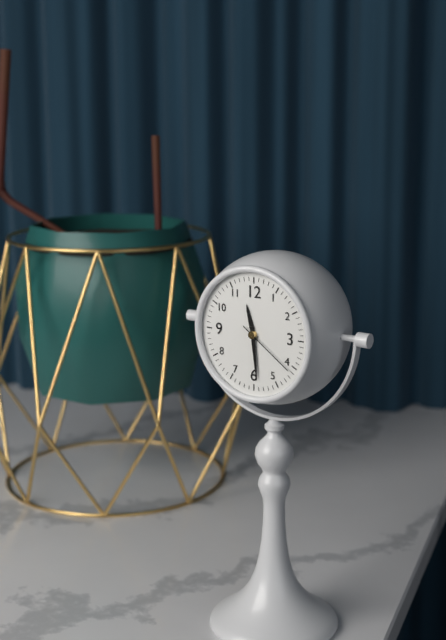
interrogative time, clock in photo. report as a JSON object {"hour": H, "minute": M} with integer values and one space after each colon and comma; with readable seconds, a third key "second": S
{"hour": 11, "minute": 29, "second": 21}
